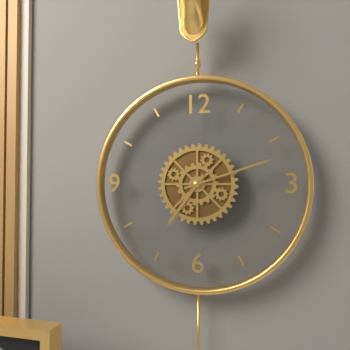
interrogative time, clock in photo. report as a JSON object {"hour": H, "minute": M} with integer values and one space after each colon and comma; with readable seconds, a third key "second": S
{"hour": 7, "minute": 12}
